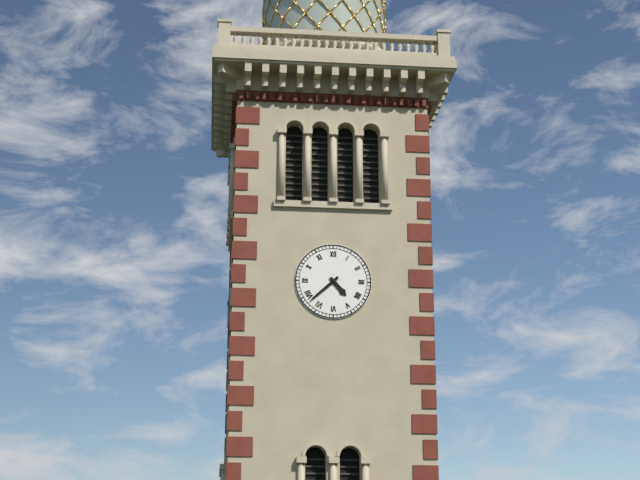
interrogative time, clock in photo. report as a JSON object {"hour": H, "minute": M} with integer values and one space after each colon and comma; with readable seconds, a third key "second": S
{"hour": 4, "minute": 38}
